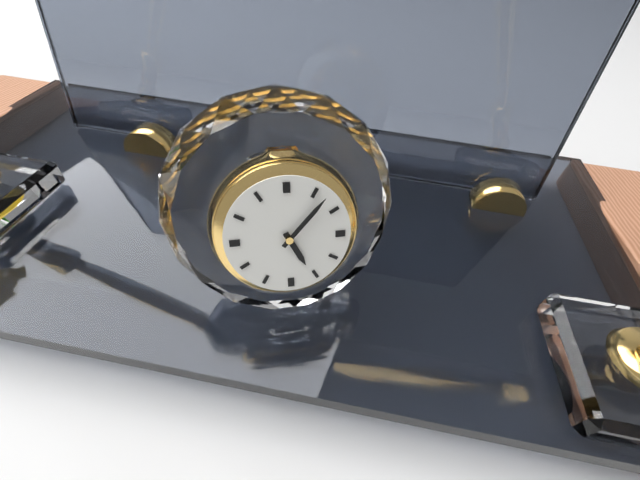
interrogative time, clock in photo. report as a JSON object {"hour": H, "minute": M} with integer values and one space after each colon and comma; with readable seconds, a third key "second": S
{"hour": 5, "minute": 7}
